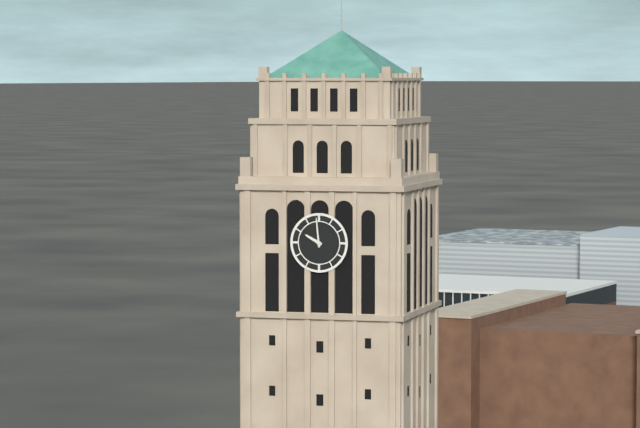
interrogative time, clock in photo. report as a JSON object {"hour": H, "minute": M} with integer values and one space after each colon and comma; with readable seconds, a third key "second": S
{"hour": 9, "minute": 59}
